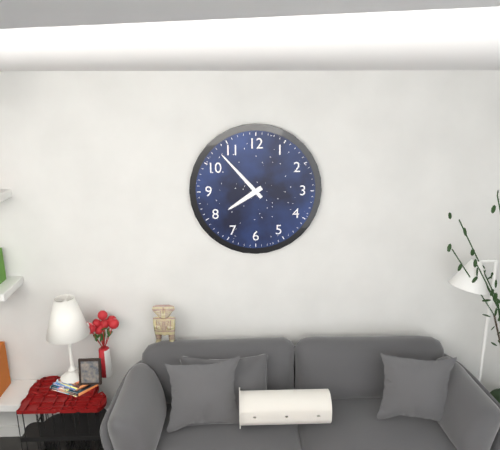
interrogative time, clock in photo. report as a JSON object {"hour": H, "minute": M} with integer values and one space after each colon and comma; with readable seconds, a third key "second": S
{"hour": 7, "minute": 53}
